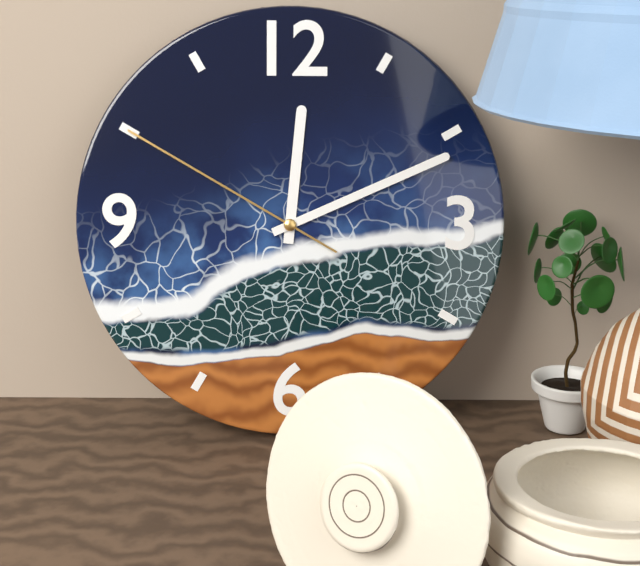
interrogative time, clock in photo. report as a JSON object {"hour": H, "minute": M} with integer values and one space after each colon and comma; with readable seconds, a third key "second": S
{"hour": 12, "minute": 11, "second": 50}
